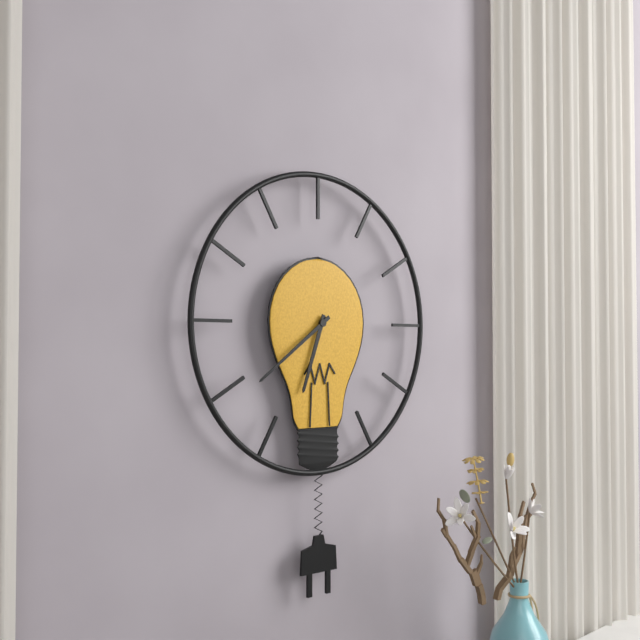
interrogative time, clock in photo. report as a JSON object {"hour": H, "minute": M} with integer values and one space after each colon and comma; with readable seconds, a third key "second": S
{"hour": 6, "minute": 39}
